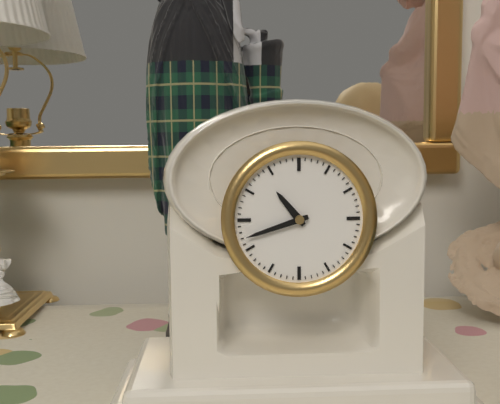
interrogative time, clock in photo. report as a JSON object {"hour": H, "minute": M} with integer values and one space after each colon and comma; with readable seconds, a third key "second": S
{"hour": 10, "minute": 42}
